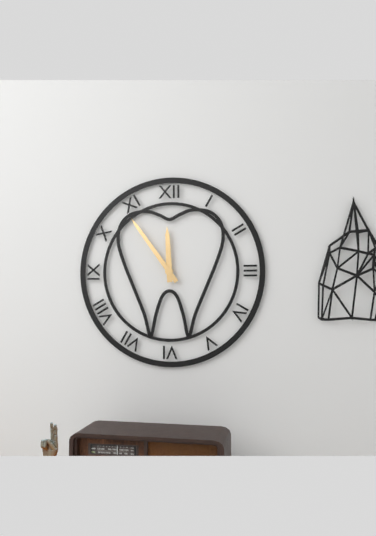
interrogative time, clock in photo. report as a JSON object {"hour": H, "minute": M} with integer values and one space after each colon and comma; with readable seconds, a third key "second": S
{"hour": 11, "minute": 54}
